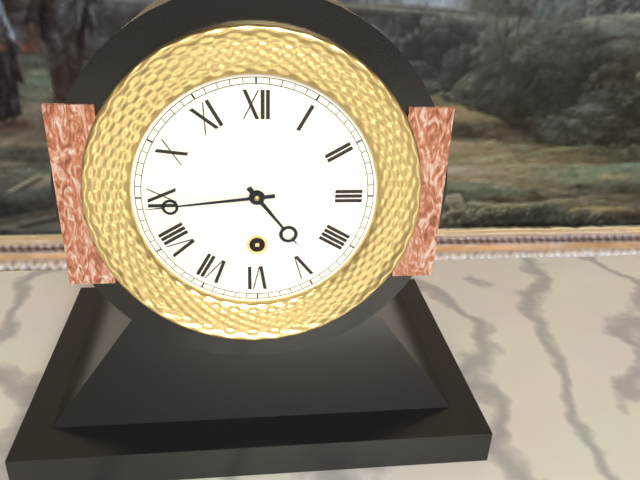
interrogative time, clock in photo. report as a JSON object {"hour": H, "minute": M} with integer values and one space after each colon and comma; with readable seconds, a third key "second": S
{"hour": 4, "minute": 44}
